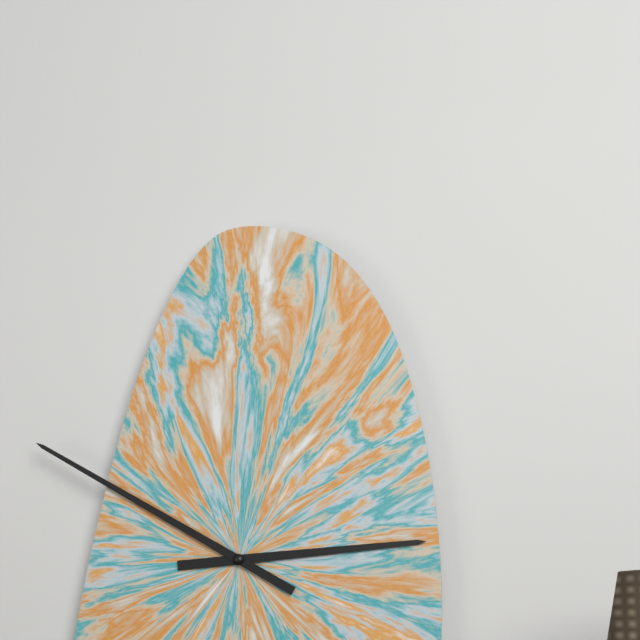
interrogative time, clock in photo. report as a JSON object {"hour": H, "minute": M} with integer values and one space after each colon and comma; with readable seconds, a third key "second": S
{"hour": 2, "minute": 50}
